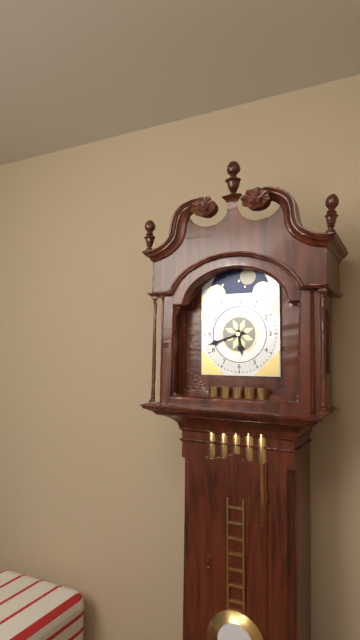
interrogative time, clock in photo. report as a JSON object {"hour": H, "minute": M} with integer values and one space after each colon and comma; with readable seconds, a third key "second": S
{"hour": 5, "minute": 42}
